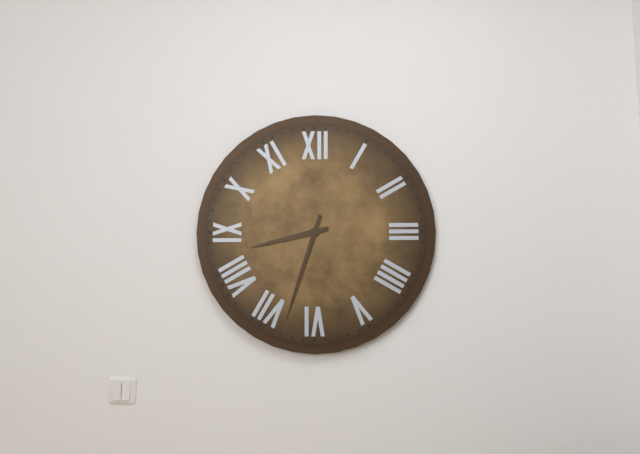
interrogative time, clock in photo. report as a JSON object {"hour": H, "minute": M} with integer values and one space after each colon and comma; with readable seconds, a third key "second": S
{"hour": 8, "minute": 33}
